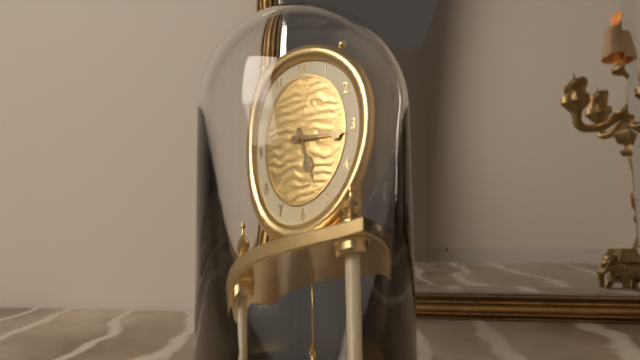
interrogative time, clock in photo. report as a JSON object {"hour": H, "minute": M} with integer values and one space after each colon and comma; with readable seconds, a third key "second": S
{"hour": 5, "minute": 16}
